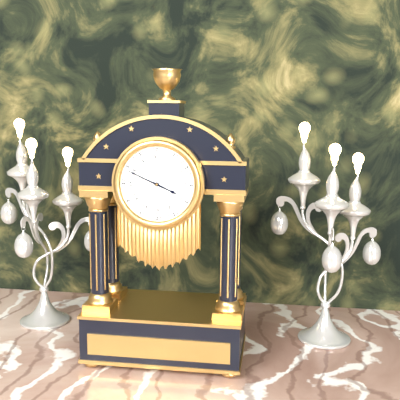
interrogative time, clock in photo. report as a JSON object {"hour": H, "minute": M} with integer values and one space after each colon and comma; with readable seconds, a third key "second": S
{"hour": 3, "minute": 49}
